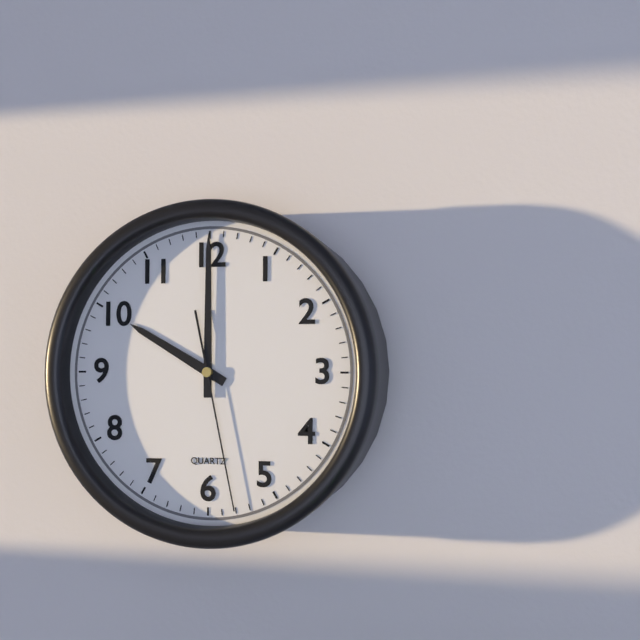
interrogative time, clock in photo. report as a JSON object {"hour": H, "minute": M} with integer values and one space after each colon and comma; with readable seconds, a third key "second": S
{"hour": 10, "minute": 0, "second": 28}
